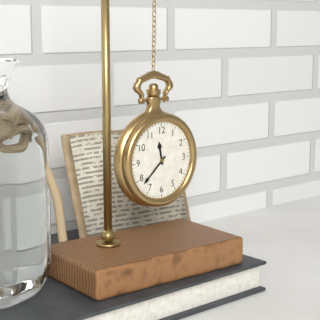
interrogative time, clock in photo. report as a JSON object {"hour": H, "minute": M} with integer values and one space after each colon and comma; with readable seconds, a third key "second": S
{"hour": 11, "minute": 38}
